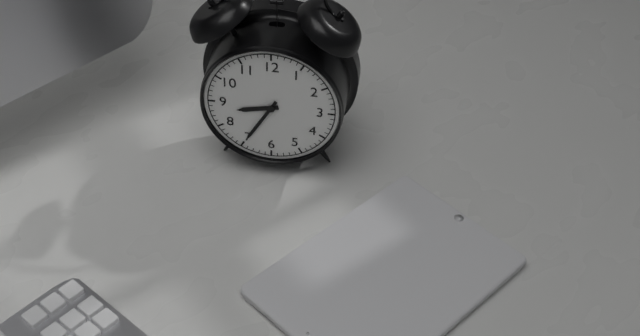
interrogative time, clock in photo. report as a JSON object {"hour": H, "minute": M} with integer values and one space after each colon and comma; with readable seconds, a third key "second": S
{"hour": 8, "minute": 35}
